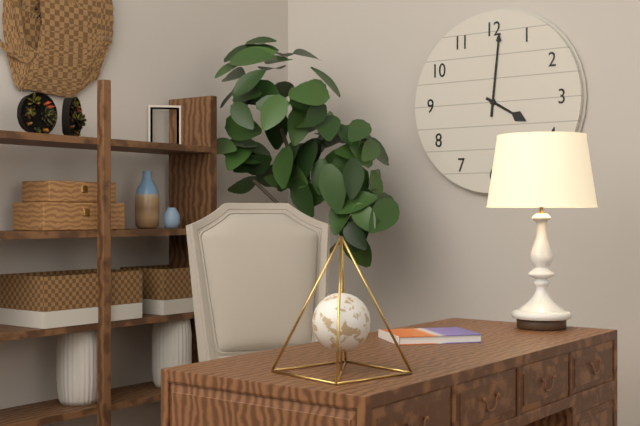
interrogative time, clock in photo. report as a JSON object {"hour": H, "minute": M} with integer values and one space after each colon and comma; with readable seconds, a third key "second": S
{"hour": 4, "minute": 1}
